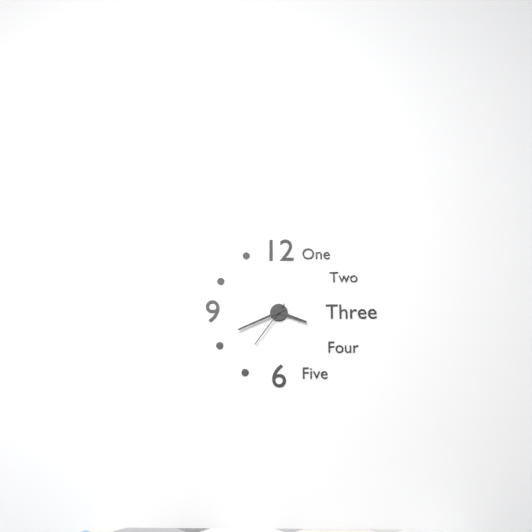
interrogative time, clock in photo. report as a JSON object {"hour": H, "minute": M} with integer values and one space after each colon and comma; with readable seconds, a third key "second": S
{"hour": 3, "minute": 41, "second": 36}
